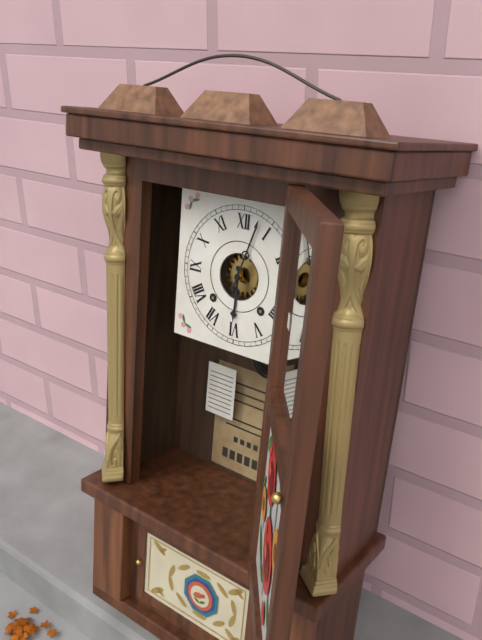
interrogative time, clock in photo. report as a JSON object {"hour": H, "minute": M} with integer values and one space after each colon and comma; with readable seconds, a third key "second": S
{"hour": 6, "minute": 3}
